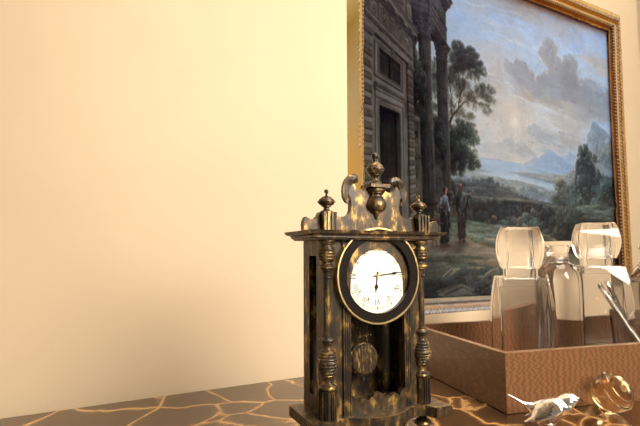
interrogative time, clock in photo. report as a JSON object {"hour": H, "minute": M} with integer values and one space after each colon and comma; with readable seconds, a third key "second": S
{"hour": 6, "minute": 14}
